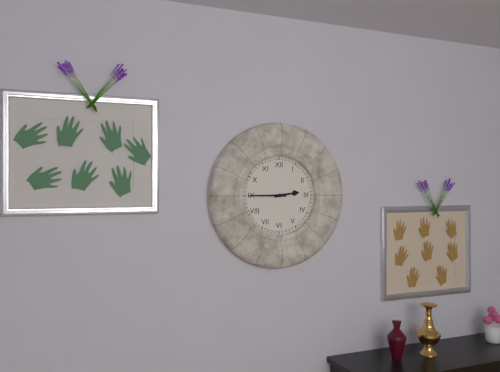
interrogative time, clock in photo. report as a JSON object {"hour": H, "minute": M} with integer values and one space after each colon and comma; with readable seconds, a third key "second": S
{"hour": 2, "minute": 45}
